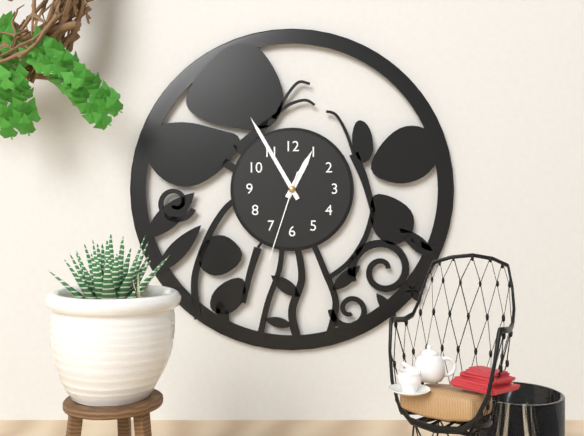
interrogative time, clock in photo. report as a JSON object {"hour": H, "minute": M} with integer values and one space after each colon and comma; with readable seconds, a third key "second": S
{"hour": 12, "minute": 55, "second": 33}
